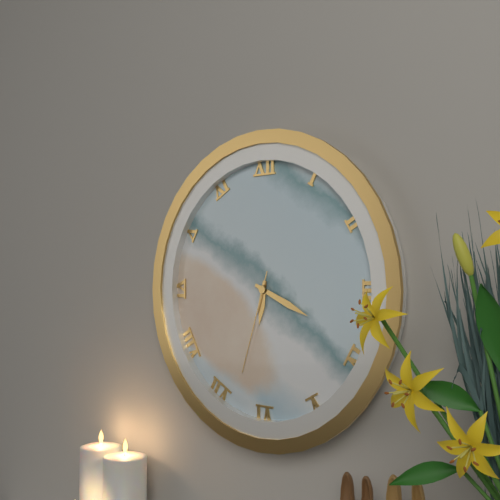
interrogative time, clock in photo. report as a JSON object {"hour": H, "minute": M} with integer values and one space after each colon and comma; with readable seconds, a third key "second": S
{"hour": 6, "minute": 19, "second": 33}
